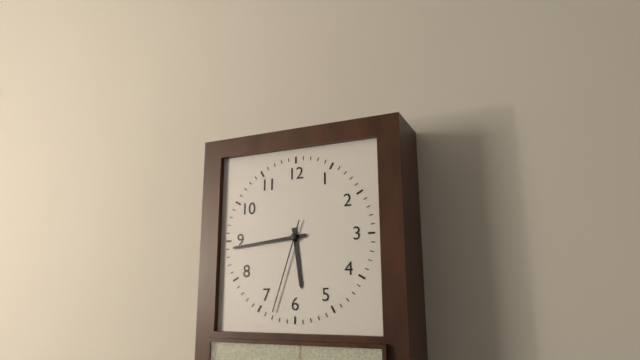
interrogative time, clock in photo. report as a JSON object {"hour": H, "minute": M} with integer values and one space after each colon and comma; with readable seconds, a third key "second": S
{"hour": 5, "minute": 44, "second": 33}
